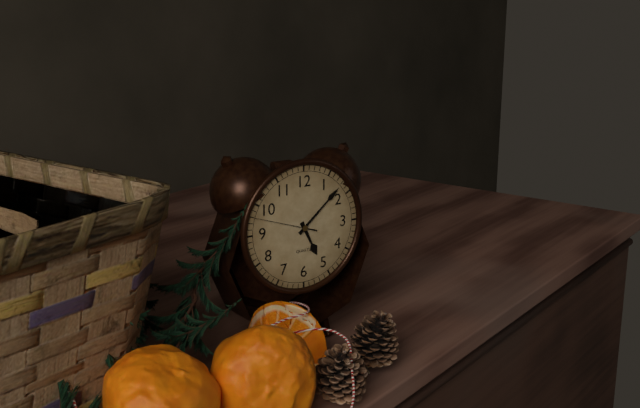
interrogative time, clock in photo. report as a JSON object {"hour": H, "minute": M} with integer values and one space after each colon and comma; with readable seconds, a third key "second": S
{"hour": 5, "minute": 8, "second": 48}
